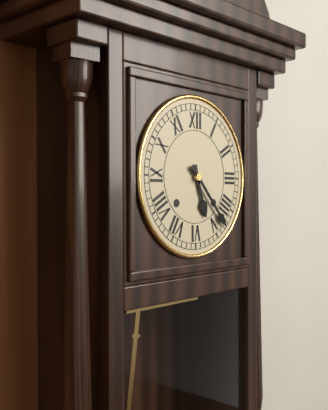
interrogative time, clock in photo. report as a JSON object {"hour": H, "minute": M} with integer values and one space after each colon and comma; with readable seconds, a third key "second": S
{"hour": 5, "minute": 23}
